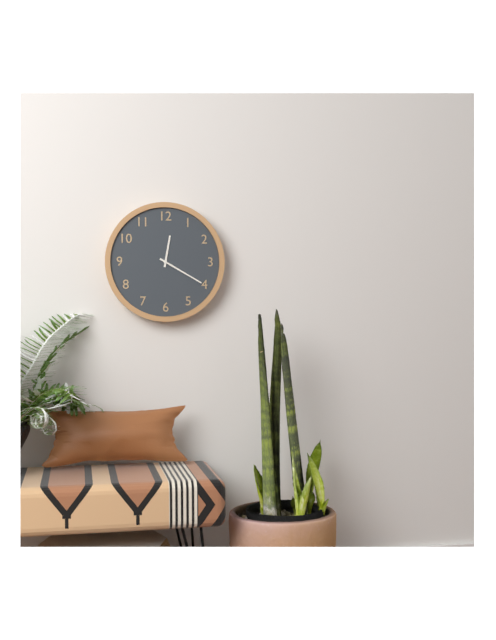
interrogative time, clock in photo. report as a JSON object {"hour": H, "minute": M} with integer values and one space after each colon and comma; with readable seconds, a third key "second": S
{"hour": 12, "minute": 20}
